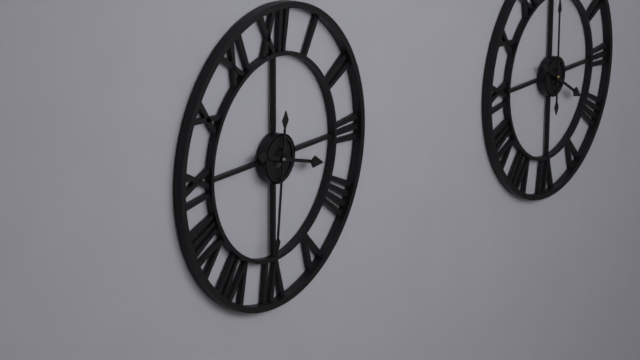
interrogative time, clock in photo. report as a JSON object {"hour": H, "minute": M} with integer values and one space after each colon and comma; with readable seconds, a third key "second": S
{"hour": 3, "minute": 31}
